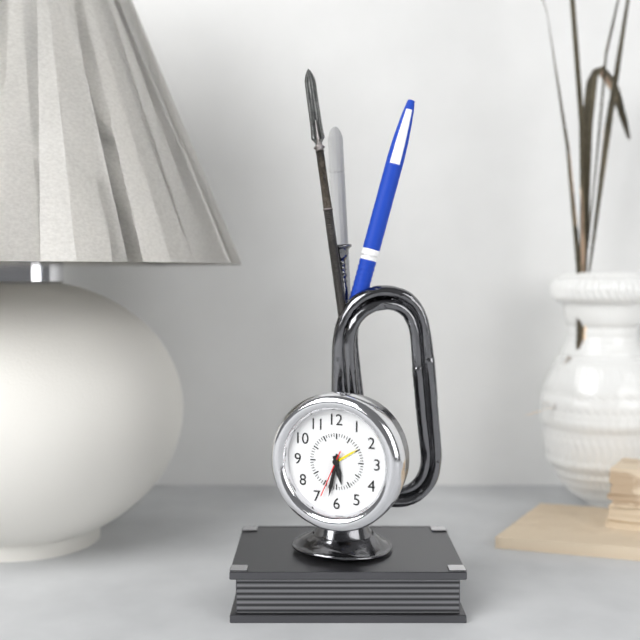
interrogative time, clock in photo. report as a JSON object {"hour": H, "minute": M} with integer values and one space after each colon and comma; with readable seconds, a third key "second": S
{"hour": 5, "minute": 32}
